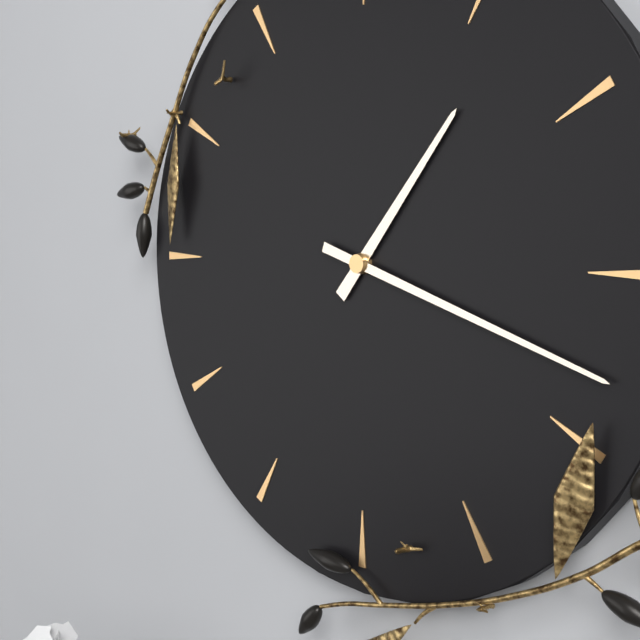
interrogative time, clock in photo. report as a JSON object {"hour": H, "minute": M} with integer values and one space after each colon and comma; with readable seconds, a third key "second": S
{"hour": 1, "minute": 18}
